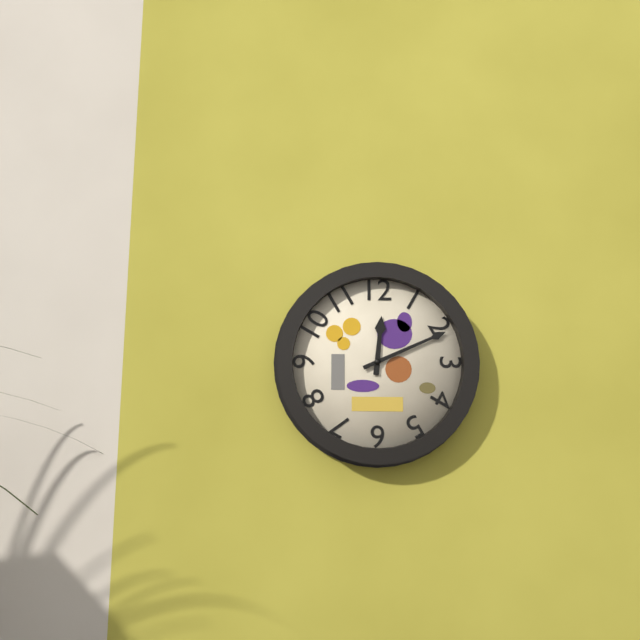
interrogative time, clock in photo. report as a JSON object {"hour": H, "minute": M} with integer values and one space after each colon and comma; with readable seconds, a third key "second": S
{"hour": 12, "minute": 11}
